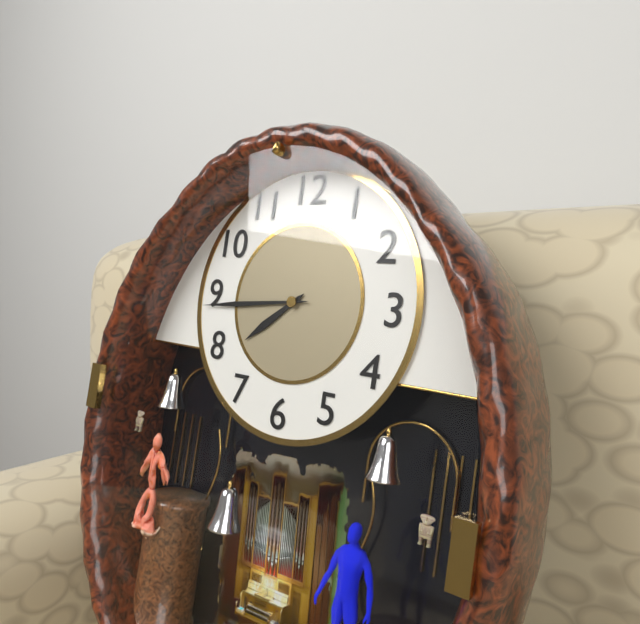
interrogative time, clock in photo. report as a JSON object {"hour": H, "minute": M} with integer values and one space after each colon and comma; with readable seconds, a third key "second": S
{"hour": 7, "minute": 44}
